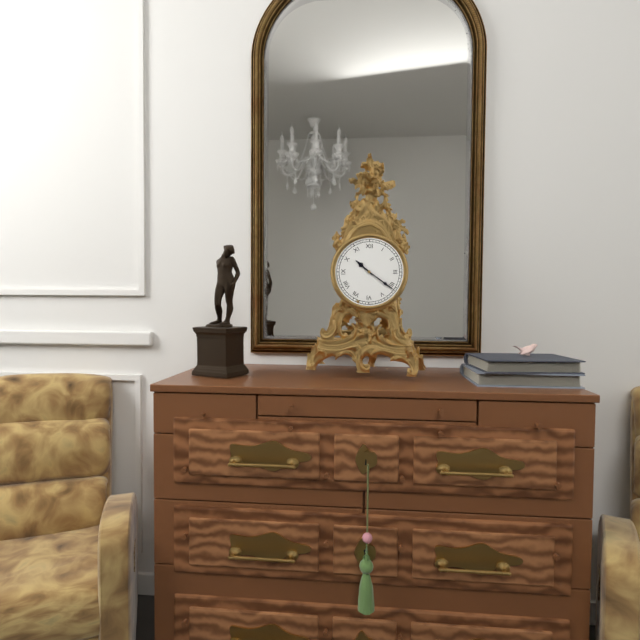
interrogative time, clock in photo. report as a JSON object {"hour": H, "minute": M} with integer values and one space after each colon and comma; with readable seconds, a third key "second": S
{"hour": 10, "minute": 21}
